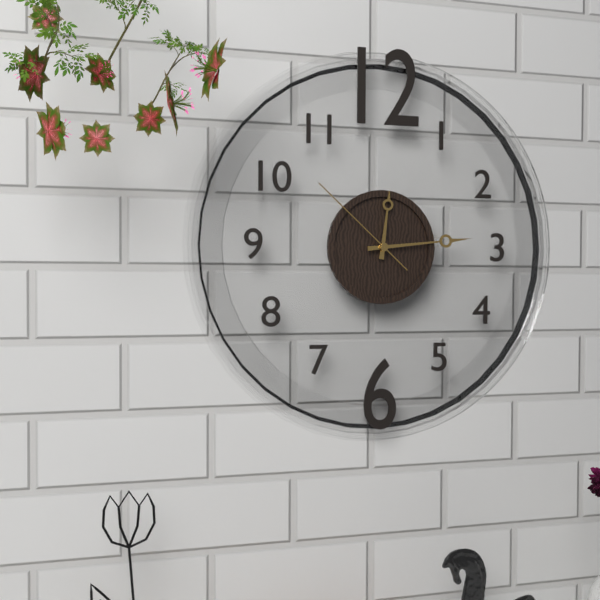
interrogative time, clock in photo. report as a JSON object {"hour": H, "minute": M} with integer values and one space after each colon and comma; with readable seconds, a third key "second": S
{"hour": 12, "minute": 14, "second": 52}
